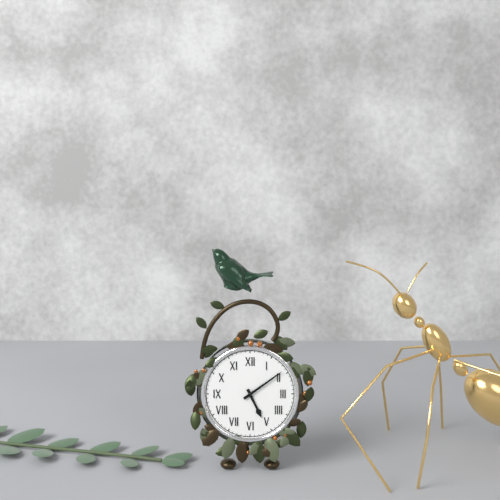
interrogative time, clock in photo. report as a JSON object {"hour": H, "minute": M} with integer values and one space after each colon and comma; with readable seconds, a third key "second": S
{"hour": 5, "minute": 9}
